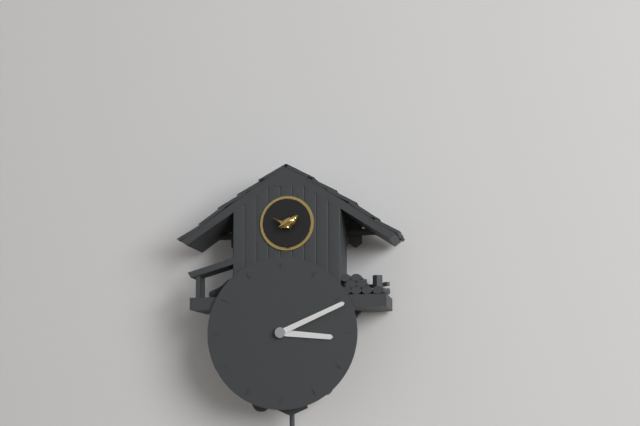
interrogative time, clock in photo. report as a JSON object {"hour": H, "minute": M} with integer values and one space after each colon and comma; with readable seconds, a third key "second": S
{"hour": 3, "minute": 11}
